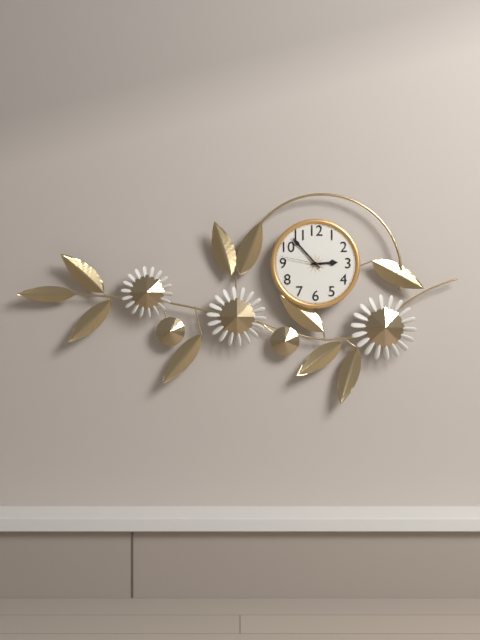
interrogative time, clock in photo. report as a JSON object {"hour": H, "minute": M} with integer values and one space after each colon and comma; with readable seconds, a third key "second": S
{"hour": 2, "minute": 53}
